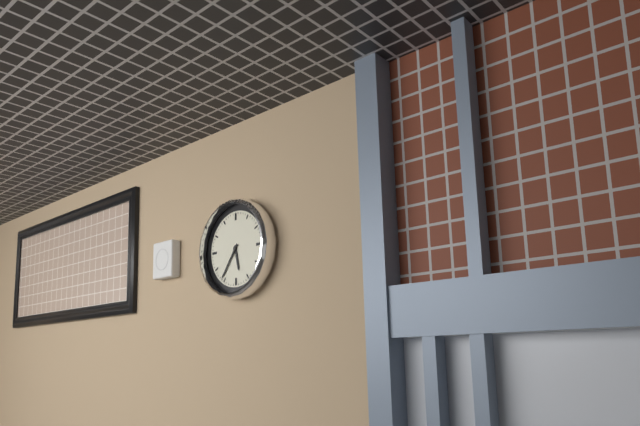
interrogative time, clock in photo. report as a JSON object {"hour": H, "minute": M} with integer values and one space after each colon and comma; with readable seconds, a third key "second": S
{"hour": 5, "minute": 36}
